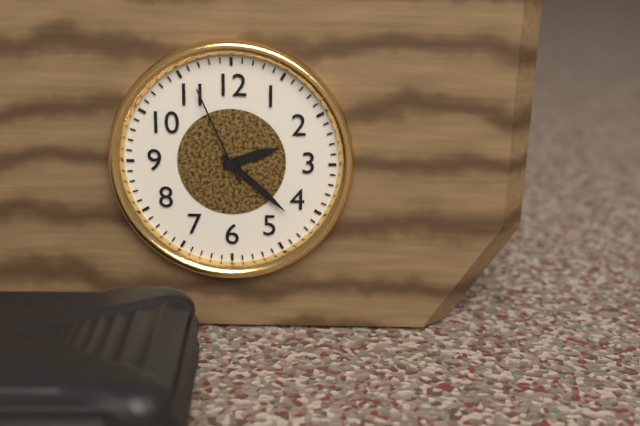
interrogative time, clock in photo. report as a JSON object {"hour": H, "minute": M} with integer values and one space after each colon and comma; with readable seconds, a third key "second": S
{"hour": 2, "minute": 22, "second": 56}
